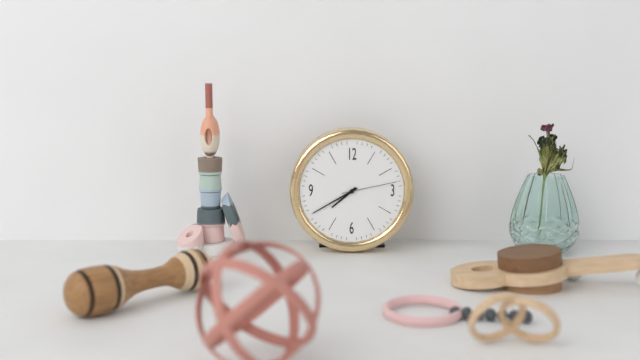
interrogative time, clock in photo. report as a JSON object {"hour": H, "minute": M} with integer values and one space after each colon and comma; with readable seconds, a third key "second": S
{"hour": 7, "minute": 40, "second": 13}
